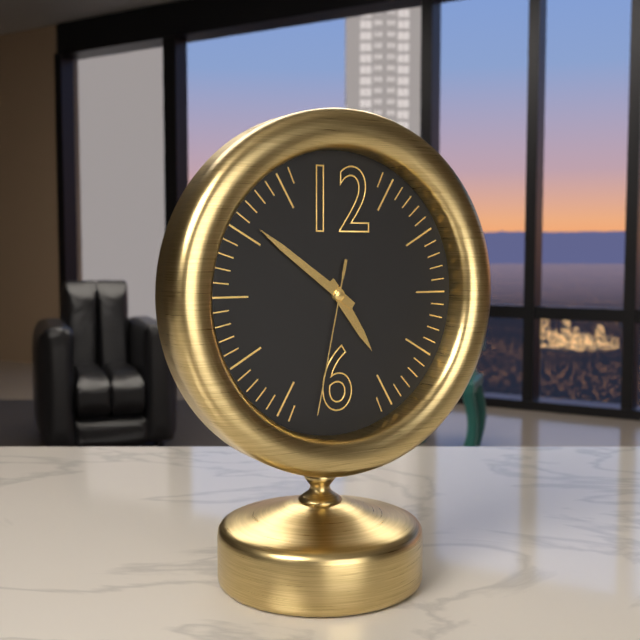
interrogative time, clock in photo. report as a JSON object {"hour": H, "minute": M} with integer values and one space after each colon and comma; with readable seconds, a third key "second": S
{"hour": 4, "minute": 51, "second": 32}
